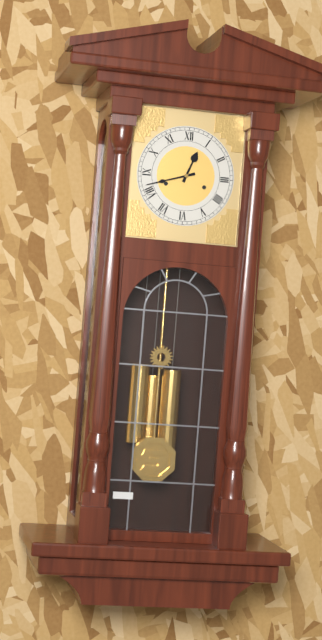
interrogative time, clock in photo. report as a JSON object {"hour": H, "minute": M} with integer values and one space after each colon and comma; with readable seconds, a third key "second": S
{"hour": 12, "minute": 42}
